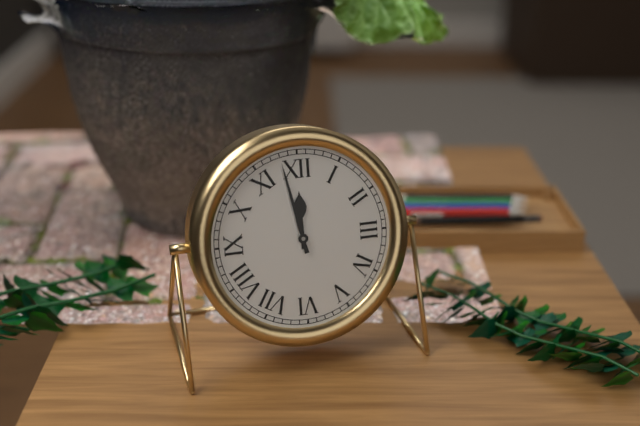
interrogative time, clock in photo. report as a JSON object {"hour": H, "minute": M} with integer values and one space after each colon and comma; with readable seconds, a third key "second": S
{"hour": 11, "minute": 58}
